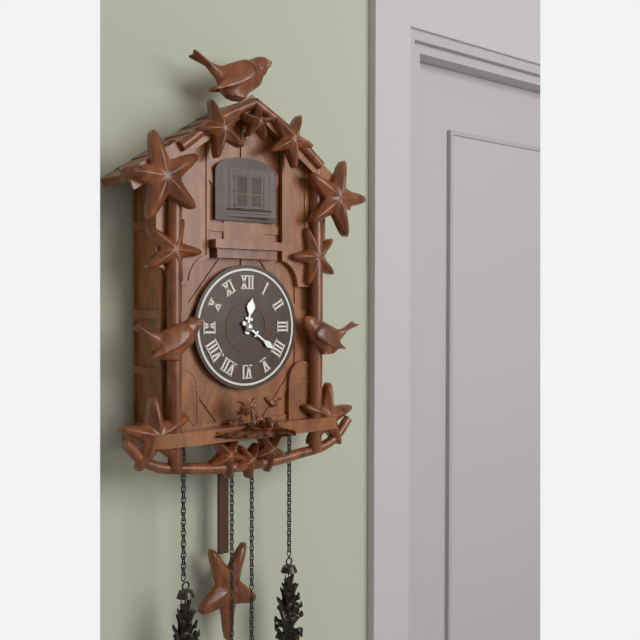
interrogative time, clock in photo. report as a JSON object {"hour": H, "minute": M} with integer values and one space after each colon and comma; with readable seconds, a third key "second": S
{"hour": 12, "minute": 21}
